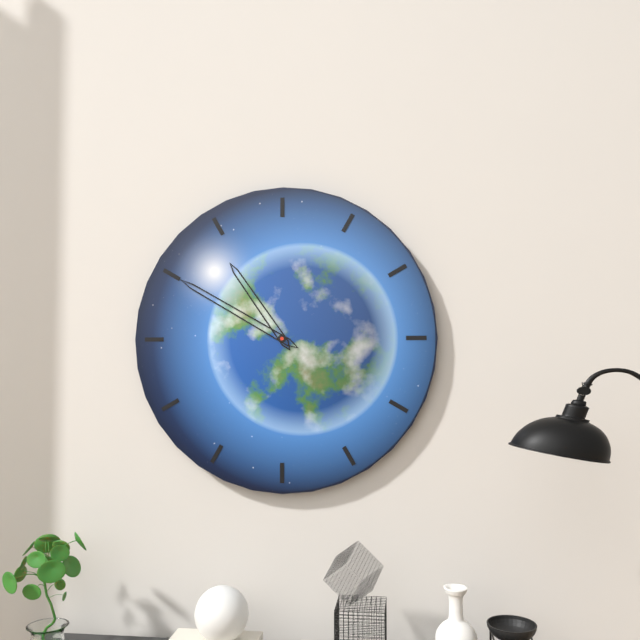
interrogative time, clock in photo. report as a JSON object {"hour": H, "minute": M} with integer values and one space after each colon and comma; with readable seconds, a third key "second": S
{"hour": 10, "minute": 50}
